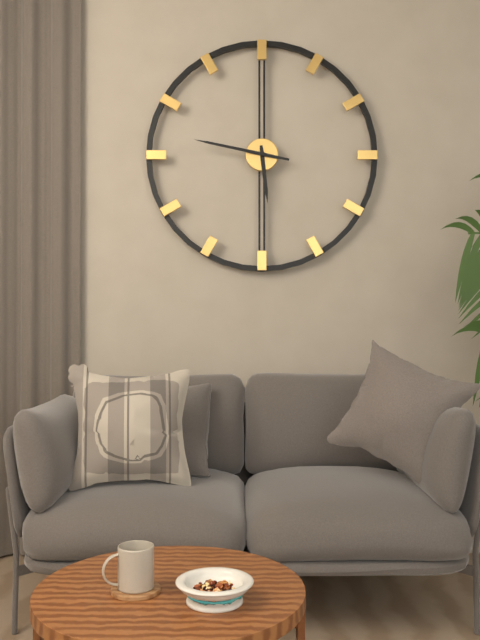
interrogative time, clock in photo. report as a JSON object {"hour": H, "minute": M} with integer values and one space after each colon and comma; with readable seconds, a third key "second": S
{"hour": 5, "minute": 47}
